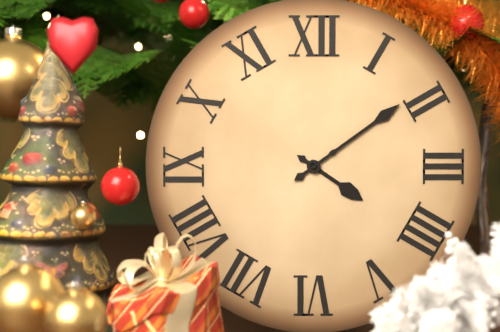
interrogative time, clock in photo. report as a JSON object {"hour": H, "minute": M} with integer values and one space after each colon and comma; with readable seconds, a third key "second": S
{"hour": 4, "minute": 9}
